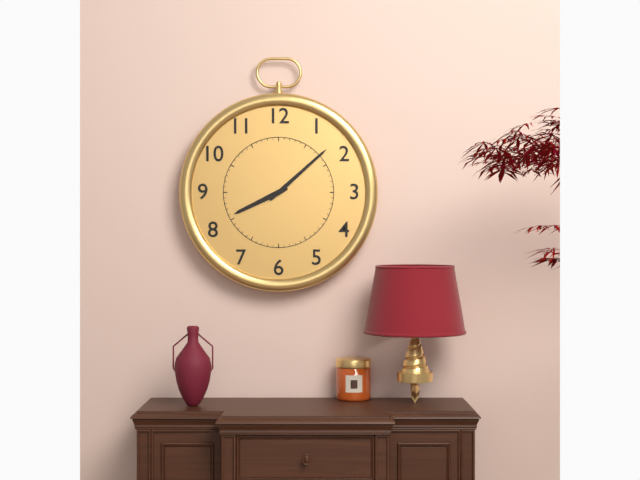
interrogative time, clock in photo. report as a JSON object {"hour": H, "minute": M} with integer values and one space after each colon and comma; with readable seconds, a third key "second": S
{"hour": 8, "minute": 8}
